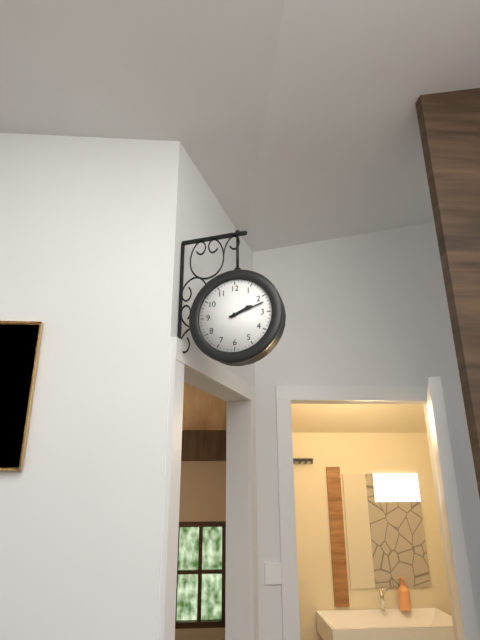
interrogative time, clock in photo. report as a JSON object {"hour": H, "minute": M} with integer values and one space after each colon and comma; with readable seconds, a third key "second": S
{"hour": 2, "minute": 12}
